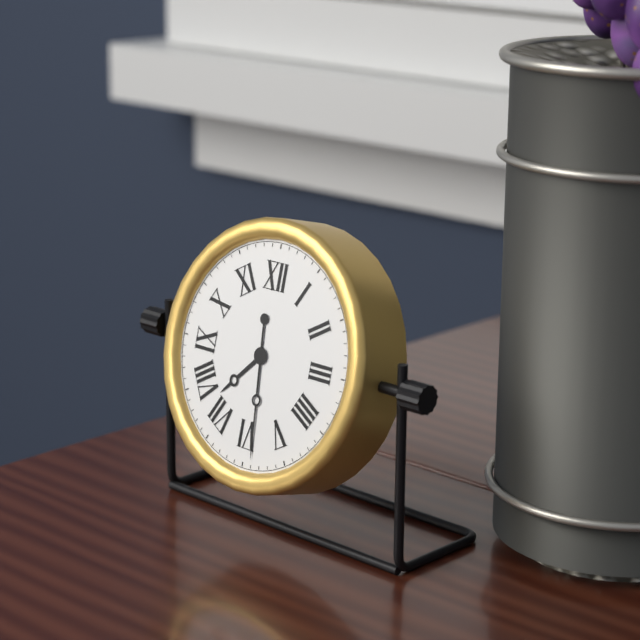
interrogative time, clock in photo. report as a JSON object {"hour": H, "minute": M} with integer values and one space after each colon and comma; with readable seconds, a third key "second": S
{"hour": 7, "minute": 29}
